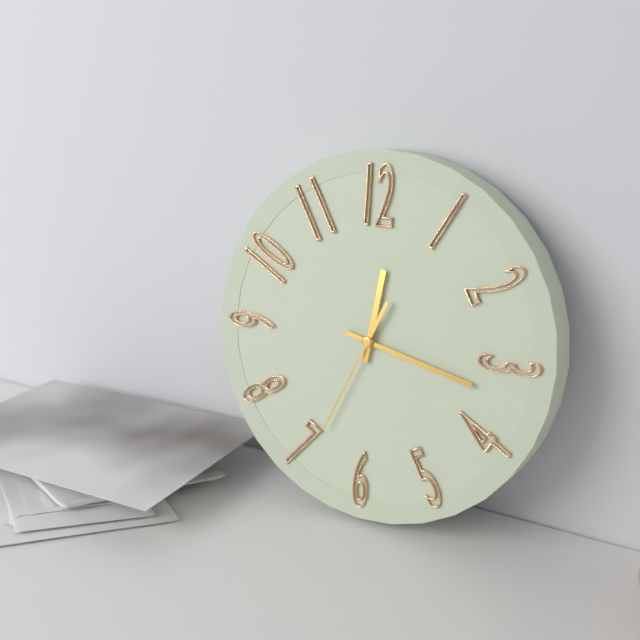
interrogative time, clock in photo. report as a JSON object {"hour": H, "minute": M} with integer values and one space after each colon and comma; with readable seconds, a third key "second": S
{"hour": 12, "minute": 17, "second": 34}
